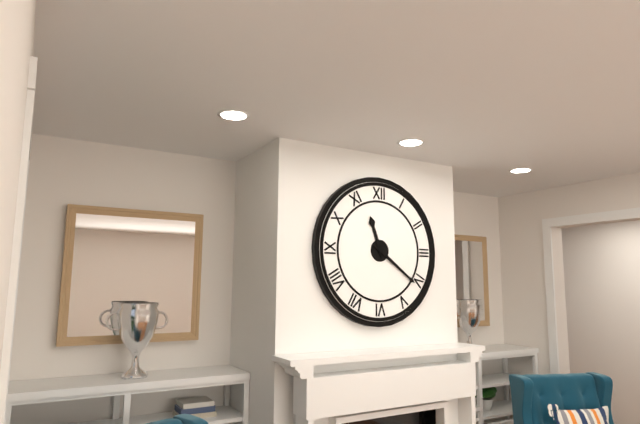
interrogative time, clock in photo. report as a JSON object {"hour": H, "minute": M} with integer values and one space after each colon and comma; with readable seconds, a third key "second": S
{"hour": 11, "minute": 21}
